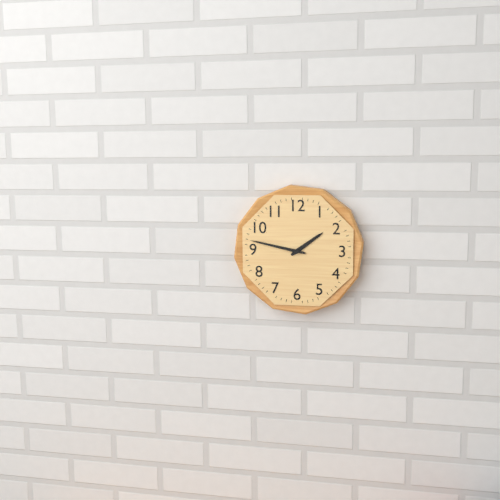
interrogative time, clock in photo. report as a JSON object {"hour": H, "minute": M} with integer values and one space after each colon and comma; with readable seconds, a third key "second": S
{"hour": 1, "minute": 47}
